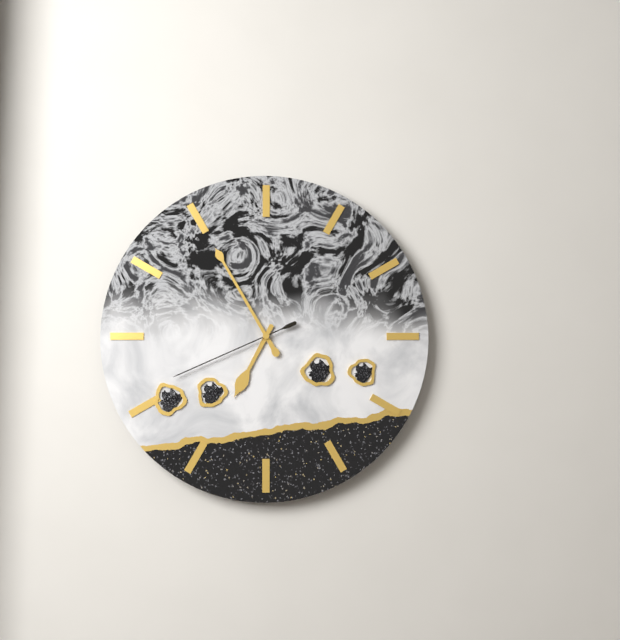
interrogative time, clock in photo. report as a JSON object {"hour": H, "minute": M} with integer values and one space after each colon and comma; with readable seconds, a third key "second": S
{"hour": 6, "minute": 55, "second": 41}
